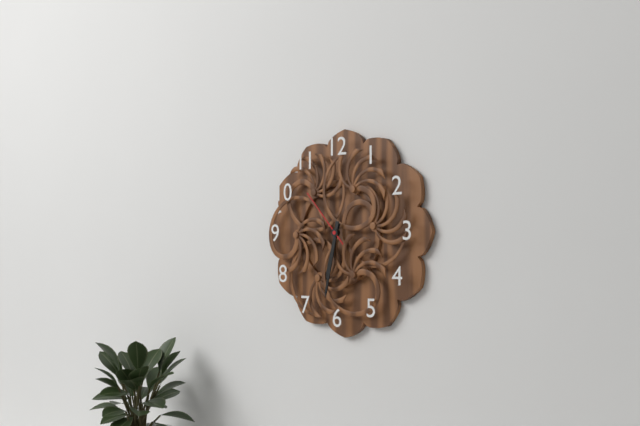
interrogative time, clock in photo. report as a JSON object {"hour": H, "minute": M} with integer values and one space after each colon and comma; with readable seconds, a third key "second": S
{"hour": 6, "minute": 32, "second": 53}
